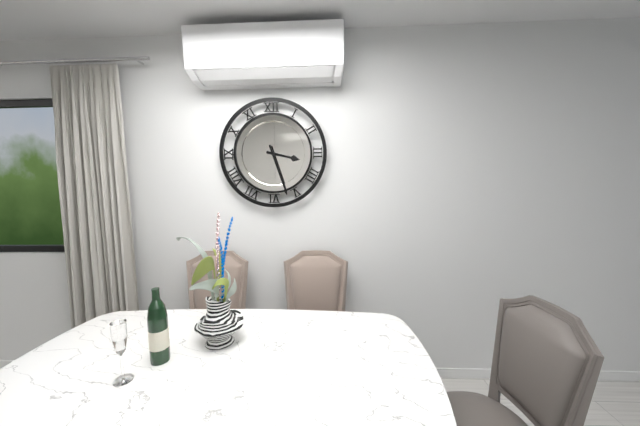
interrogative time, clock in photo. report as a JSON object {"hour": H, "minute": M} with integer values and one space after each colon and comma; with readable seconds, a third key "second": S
{"hour": 3, "minute": 27}
